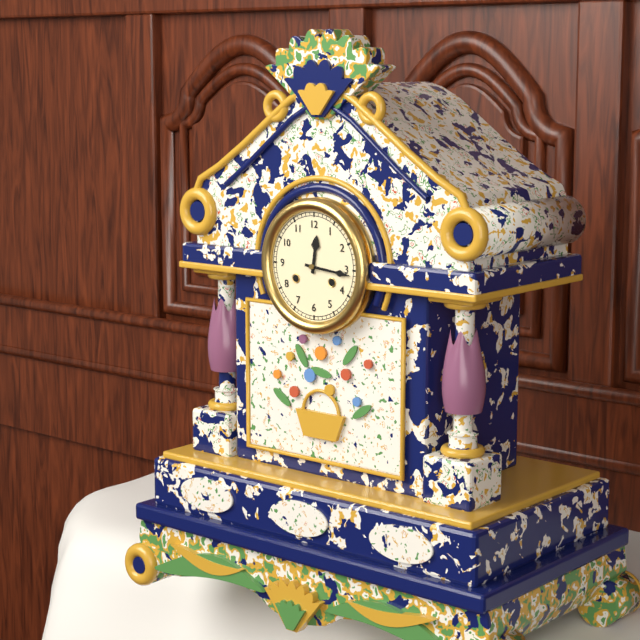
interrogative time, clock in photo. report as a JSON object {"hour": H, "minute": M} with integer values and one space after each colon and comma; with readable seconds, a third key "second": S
{"hour": 12, "minute": 16}
